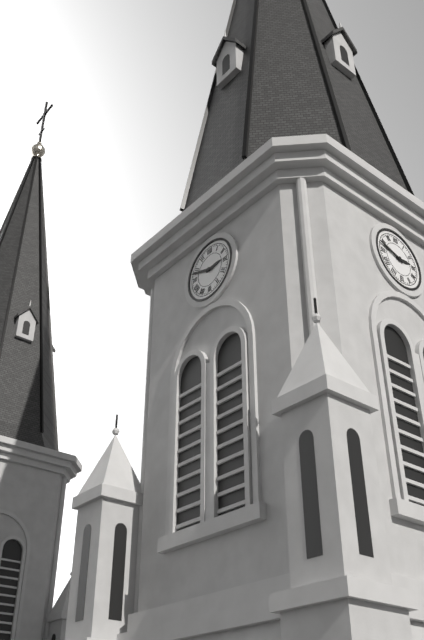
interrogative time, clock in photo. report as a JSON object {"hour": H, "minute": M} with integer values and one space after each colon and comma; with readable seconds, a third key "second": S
{"hour": 2, "minute": 48}
